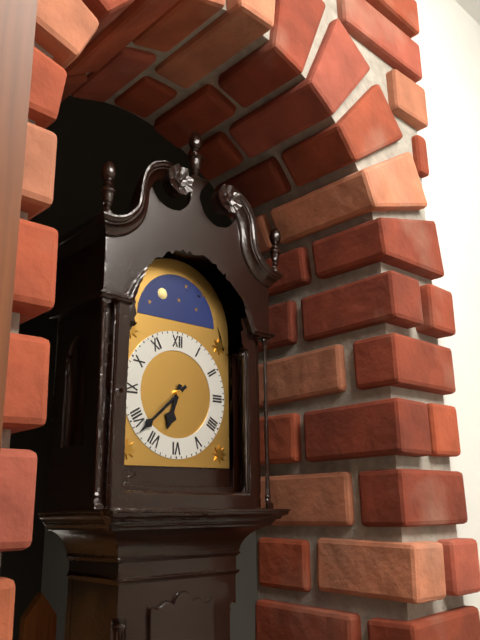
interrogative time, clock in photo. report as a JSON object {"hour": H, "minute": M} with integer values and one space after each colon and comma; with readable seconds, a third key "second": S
{"hour": 6, "minute": 38}
